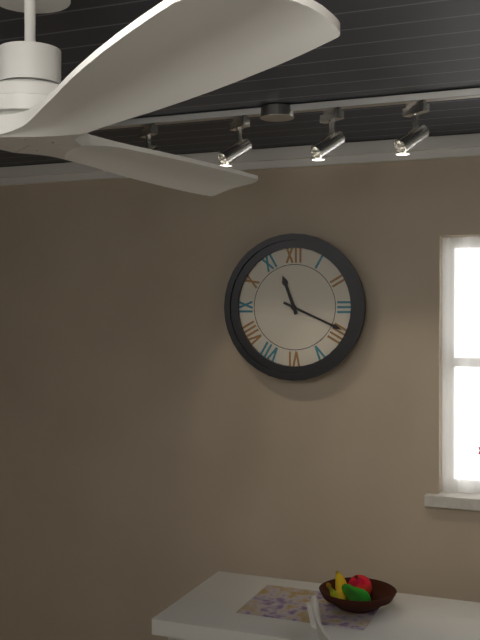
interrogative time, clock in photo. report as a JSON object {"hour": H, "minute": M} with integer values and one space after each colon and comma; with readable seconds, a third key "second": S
{"hour": 11, "minute": 19}
